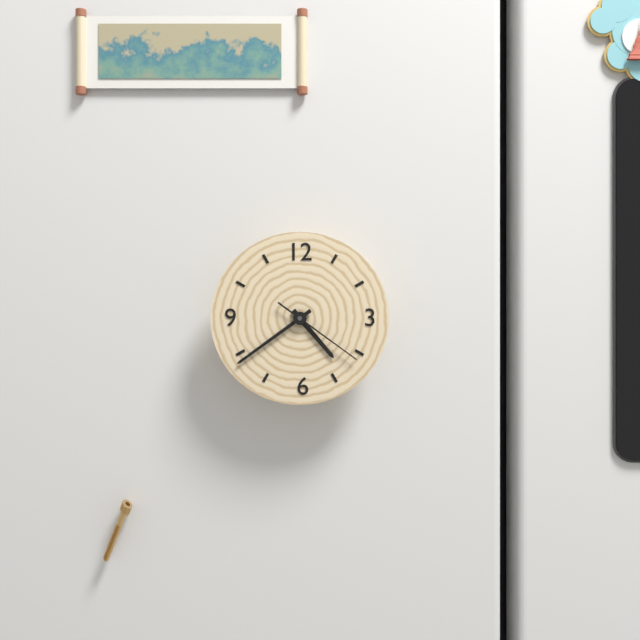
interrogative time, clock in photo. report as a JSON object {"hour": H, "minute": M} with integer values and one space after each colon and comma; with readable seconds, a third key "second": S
{"hour": 4, "minute": 39, "second": 21}
